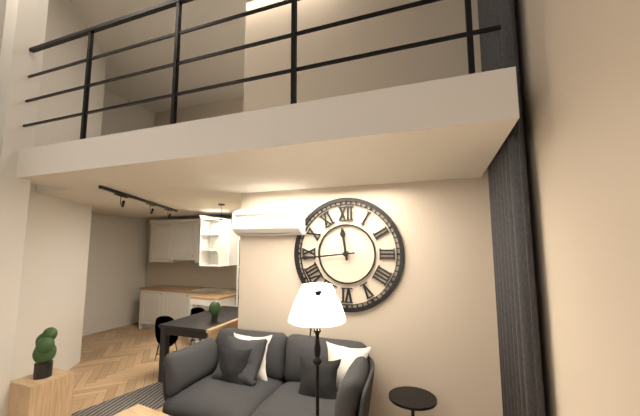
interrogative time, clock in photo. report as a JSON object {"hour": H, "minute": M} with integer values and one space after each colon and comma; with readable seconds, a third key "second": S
{"hour": 11, "minute": 44}
